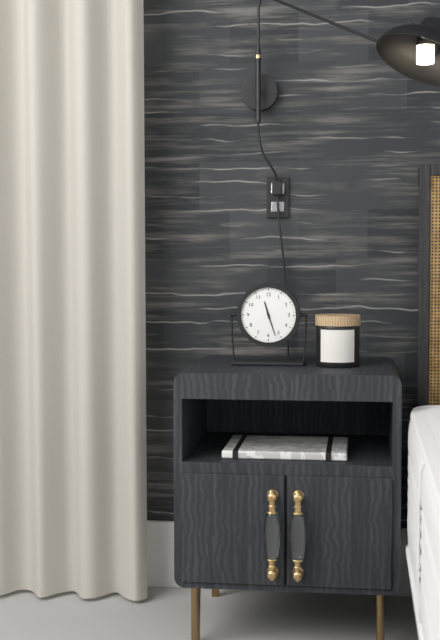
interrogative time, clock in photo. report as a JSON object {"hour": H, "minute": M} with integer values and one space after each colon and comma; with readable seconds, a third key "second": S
{"hour": 11, "minute": 27}
